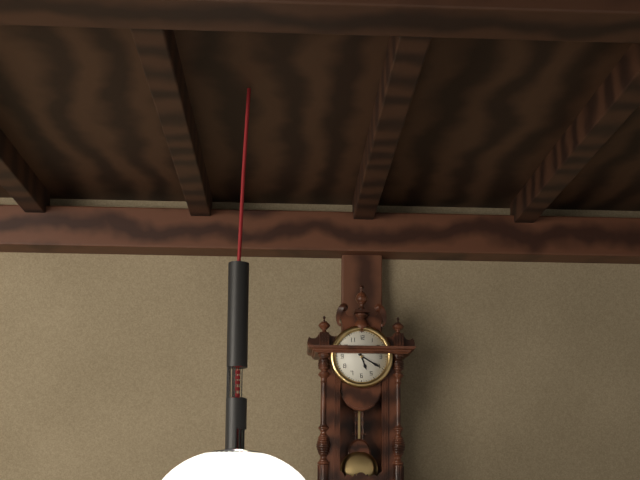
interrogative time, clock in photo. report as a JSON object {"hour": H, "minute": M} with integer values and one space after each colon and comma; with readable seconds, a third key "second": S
{"hour": 5, "minute": 20}
